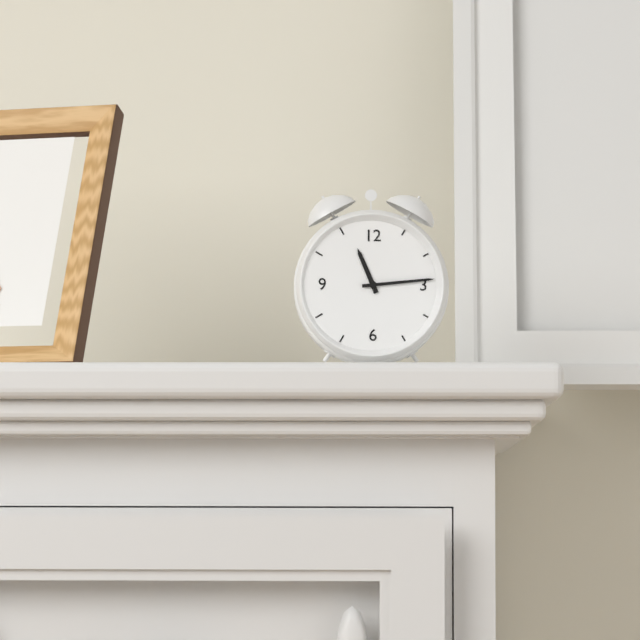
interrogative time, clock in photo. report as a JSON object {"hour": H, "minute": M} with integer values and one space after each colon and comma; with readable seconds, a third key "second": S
{"hour": 11, "minute": 14}
